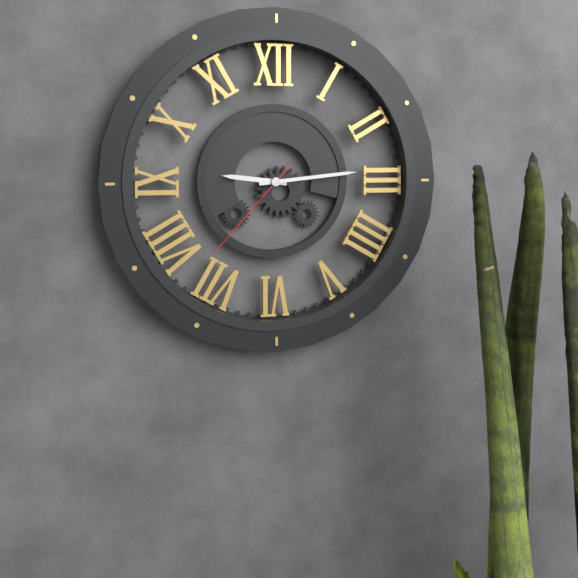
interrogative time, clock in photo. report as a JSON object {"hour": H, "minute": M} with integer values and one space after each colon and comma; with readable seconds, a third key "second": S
{"hour": 9, "minute": 14, "second": 37}
